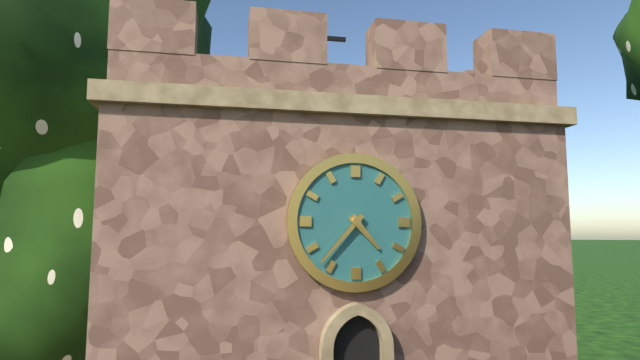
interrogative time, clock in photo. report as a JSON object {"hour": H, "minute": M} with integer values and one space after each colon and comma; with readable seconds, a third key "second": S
{"hour": 4, "minute": 37}
